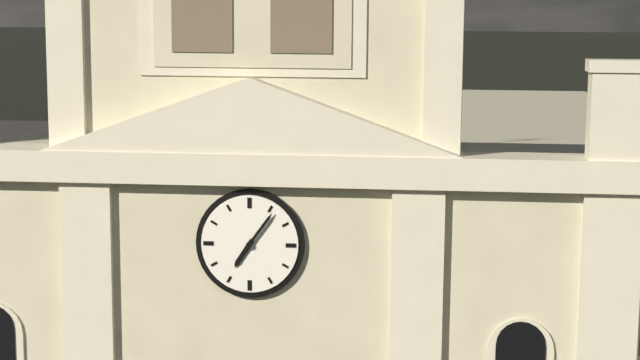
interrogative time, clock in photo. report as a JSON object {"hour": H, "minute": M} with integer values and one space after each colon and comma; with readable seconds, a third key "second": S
{"hour": 7, "minute": 6}
